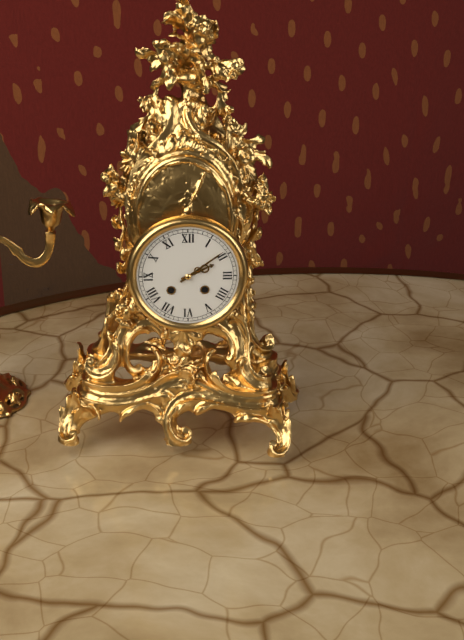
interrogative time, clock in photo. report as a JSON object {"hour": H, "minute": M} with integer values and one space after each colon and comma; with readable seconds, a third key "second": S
{"hour": 2, "minute": 9}
